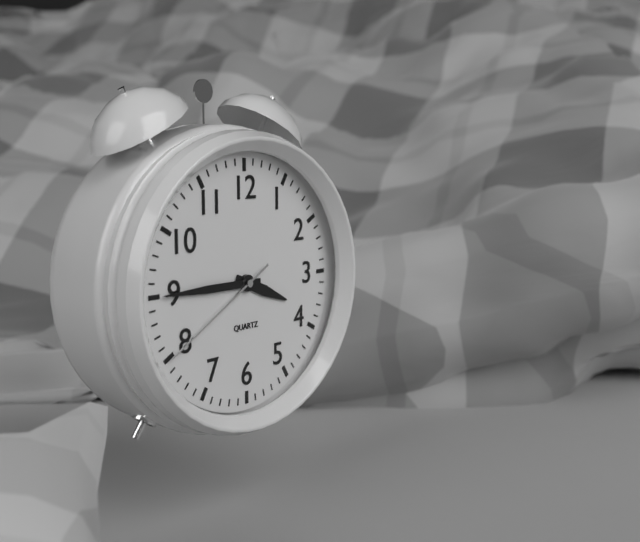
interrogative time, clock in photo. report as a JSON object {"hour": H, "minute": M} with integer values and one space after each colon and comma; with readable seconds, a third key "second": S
{"hour": 3, "minute": 45, "second": 40}
